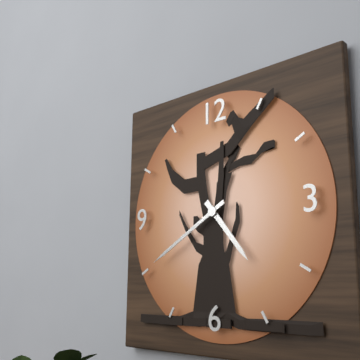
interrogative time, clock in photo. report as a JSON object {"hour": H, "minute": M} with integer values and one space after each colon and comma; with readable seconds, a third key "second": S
{"hour": 4, "minute": 40}
